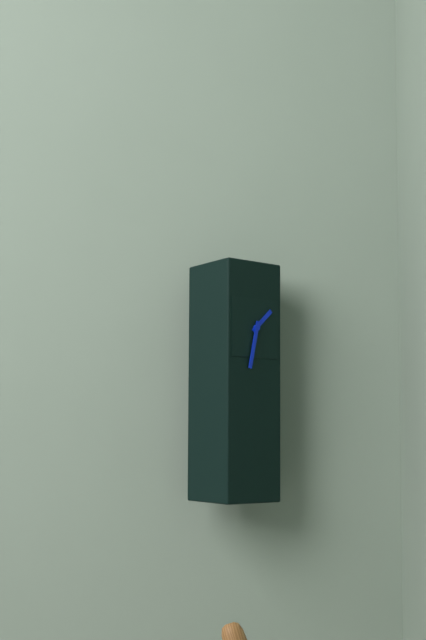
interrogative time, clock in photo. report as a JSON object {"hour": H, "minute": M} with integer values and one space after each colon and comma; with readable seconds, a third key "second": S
{"hour": 1, "minute": 32}
